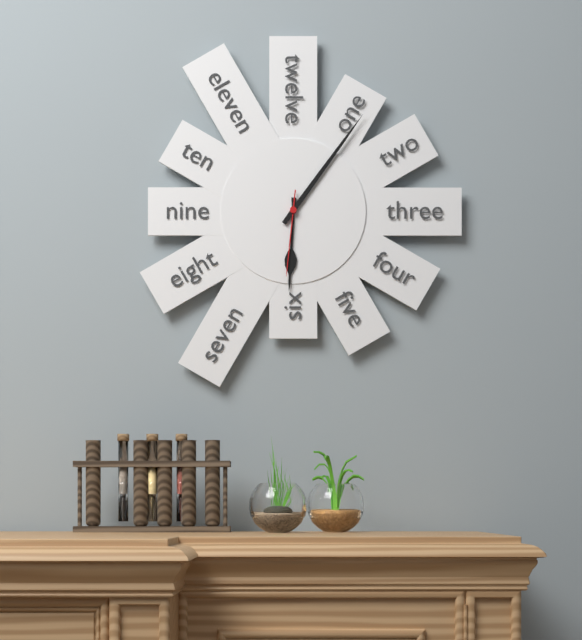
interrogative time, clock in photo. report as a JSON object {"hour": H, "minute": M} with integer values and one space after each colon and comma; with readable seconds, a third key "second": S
{"hour": 6, "minute": 6, "second": 31}
